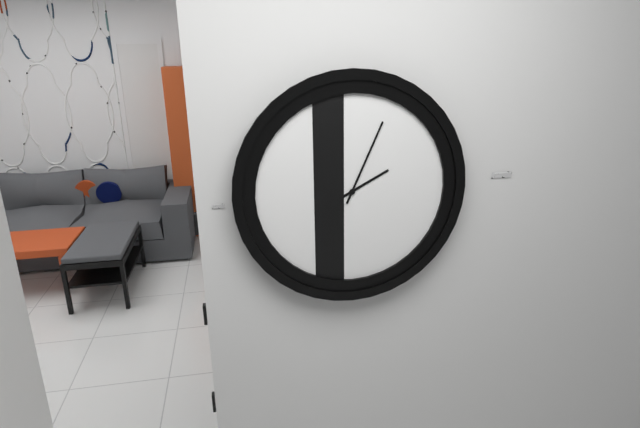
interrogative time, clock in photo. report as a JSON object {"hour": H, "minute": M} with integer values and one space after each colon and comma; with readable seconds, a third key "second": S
{"hour": 2, "minute": 4}
